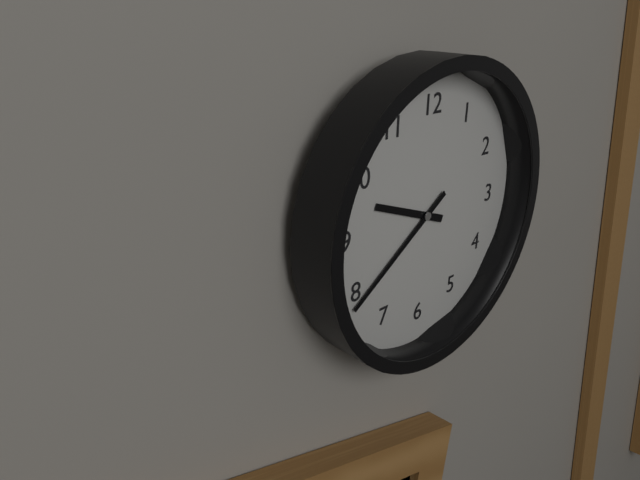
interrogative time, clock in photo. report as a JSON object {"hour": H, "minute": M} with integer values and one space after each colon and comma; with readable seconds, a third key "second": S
{"hour": 9, "minute": 39}
